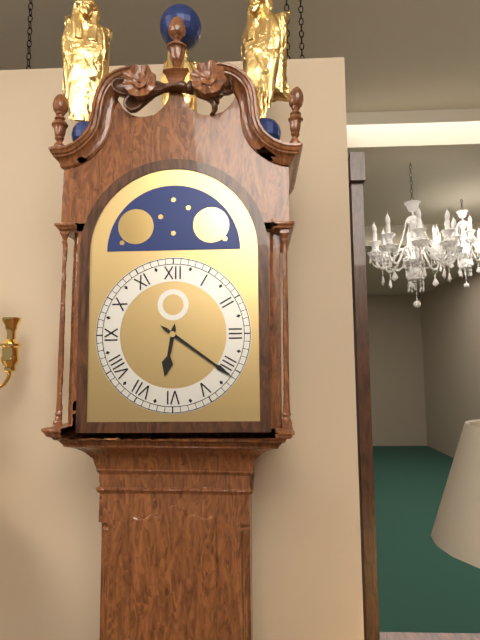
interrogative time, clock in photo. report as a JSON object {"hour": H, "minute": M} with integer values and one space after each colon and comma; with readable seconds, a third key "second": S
{"hour": 6, "minute": 21}
